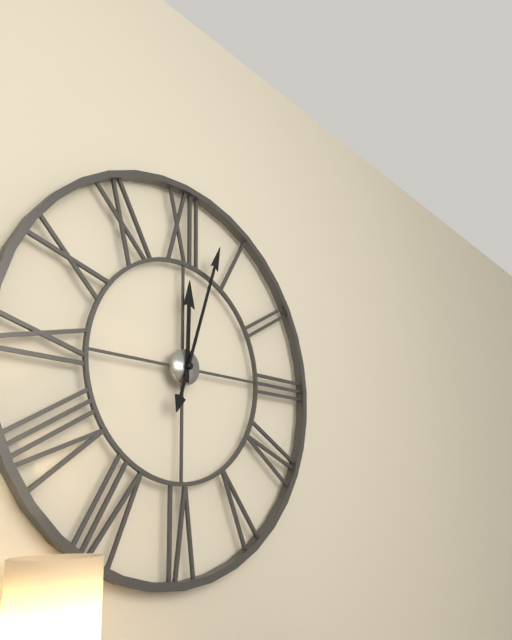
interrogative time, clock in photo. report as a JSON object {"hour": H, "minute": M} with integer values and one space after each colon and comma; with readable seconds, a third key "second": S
{"hour": 12, "minute": 3}
